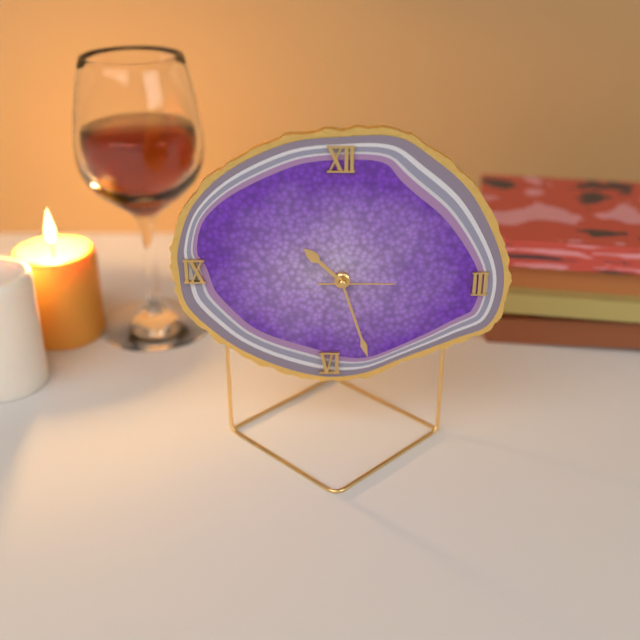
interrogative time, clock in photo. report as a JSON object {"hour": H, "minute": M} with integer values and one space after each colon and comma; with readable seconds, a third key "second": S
{"hour": 10, "minute": 27, "second": 15}
